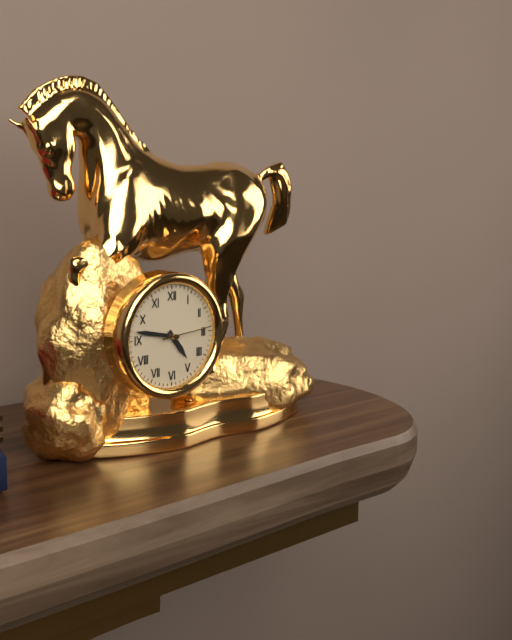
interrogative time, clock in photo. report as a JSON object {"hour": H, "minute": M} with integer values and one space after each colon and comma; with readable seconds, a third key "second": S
{"hour": 4, "minute": 47, "second": 14}
